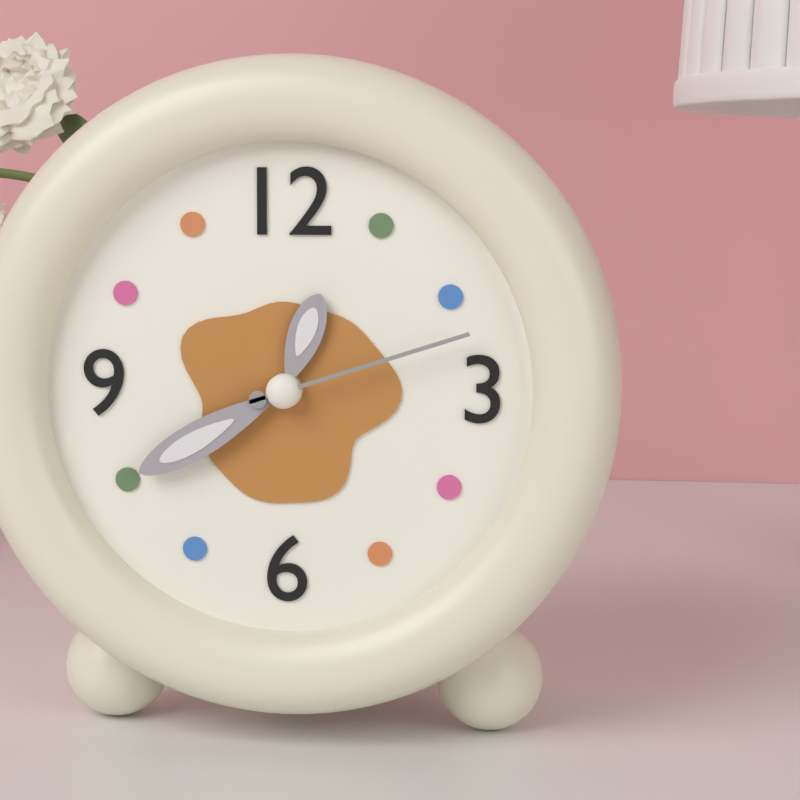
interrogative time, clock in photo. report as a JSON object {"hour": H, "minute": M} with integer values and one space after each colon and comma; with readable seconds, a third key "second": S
{"hour": 12, "minute": 40, "second": 12}
